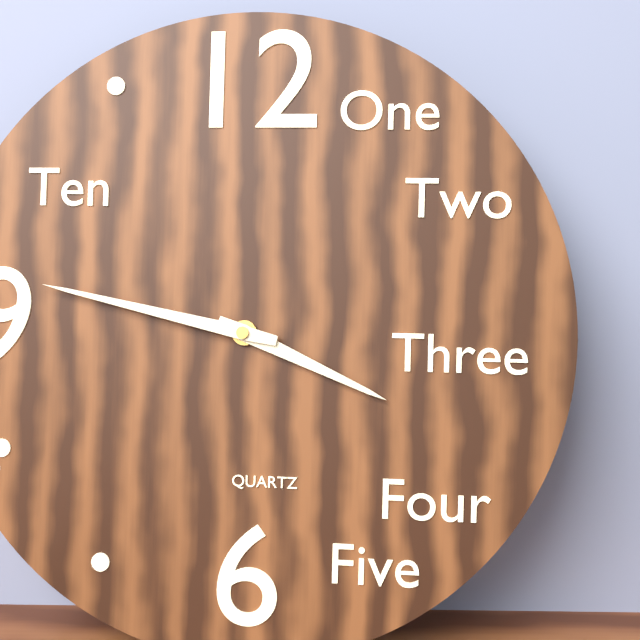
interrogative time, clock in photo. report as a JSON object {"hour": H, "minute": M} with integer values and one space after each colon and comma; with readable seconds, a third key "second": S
{"hour": 3, "minute": 47}
